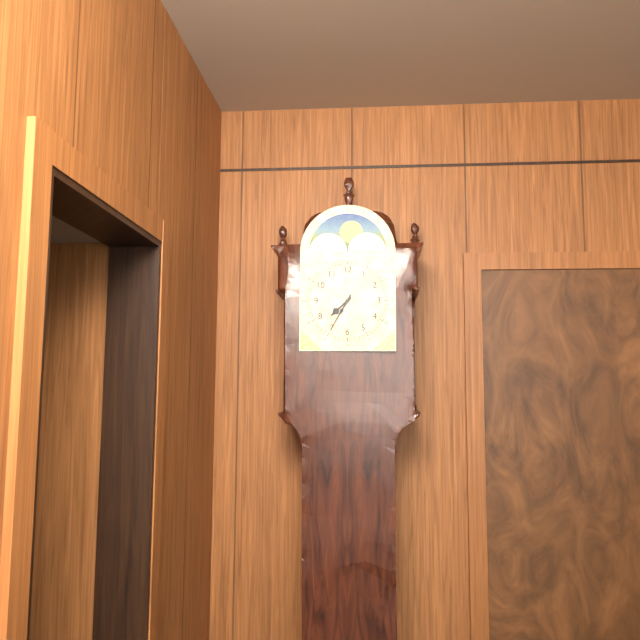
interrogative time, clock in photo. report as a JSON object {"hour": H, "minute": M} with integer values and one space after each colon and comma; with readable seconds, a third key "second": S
{"hour": 7, "minute": 35}
